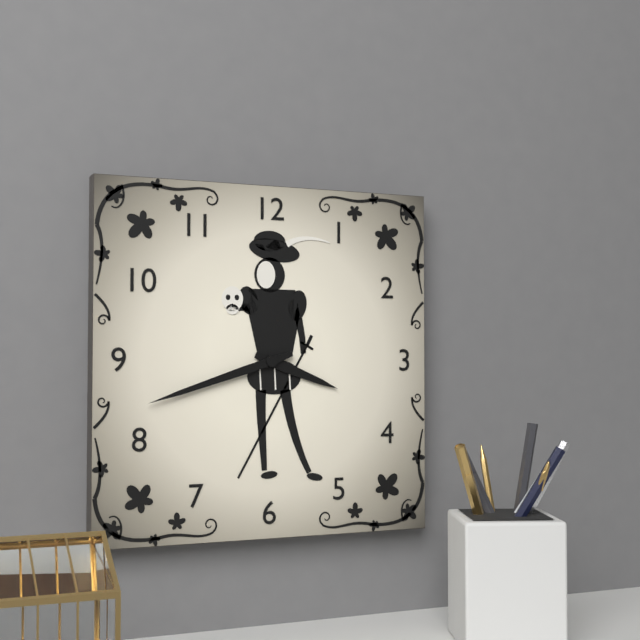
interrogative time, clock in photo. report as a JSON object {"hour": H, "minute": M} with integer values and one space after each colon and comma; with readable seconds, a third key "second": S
{"hour": 3, "minute": 42}
